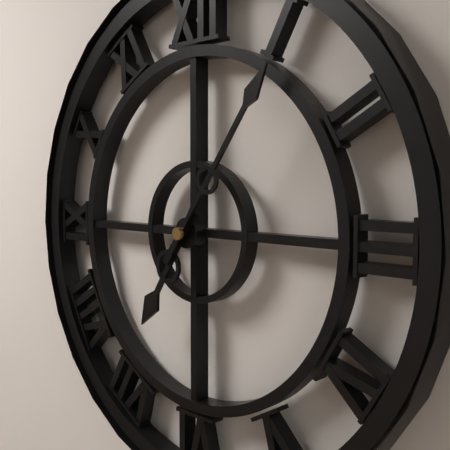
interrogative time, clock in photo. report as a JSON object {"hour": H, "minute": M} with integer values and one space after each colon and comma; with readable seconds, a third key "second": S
{"hour": 7, "minute": 6}
